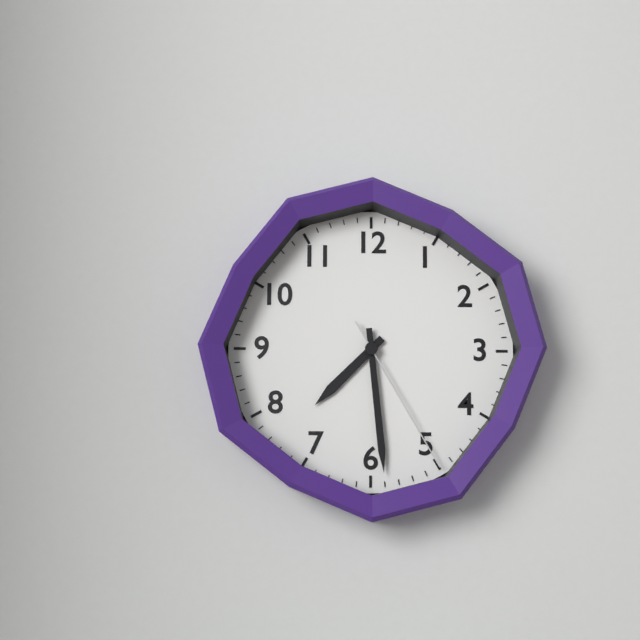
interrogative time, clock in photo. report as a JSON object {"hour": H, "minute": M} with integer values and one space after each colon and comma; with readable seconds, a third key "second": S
{"hour": 7, "minute": 29, "second": 25}
